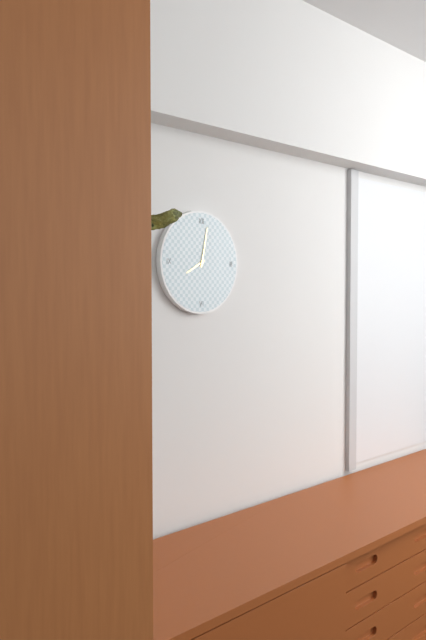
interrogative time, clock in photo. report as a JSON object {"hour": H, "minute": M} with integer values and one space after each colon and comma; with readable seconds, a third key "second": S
{"hour": 8, "minute": 2}
